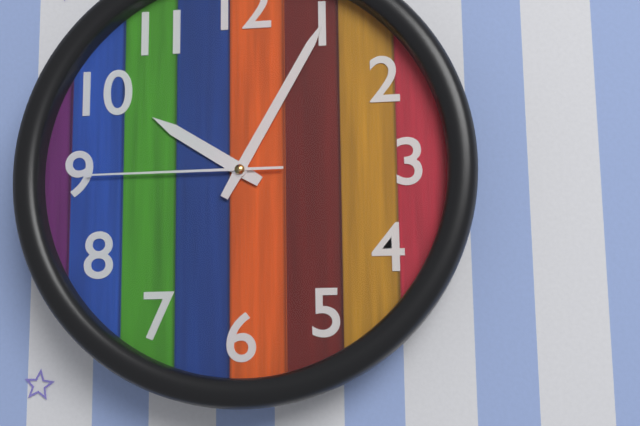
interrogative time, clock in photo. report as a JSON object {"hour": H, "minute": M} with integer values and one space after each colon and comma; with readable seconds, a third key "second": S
{"hour": 10, "minute": 5, "second": 45}
